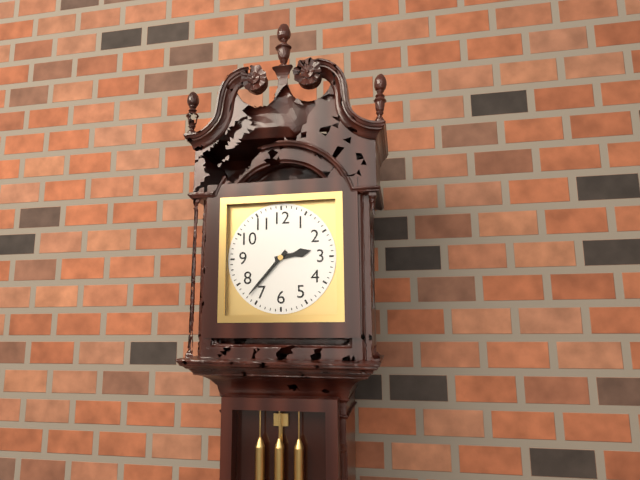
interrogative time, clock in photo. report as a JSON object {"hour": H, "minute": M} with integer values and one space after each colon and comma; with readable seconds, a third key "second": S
{"hour": 2, "minute": 37}
